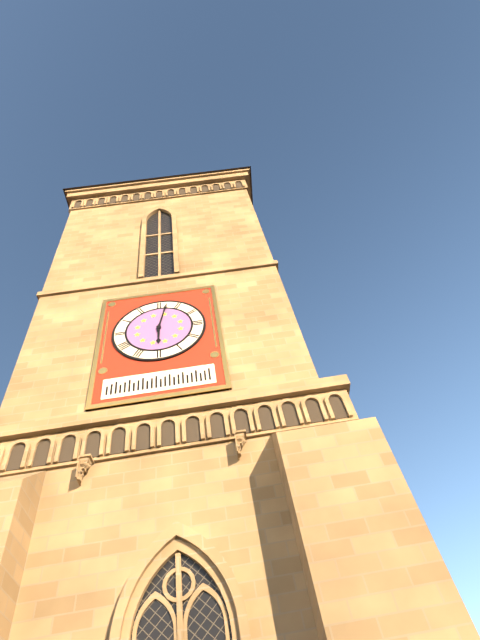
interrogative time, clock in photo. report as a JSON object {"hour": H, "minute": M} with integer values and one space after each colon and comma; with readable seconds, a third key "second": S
{"hour": 6, "minute": 2}
